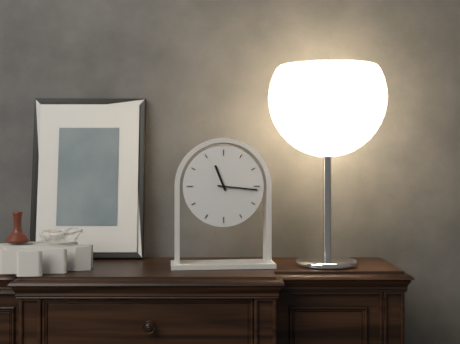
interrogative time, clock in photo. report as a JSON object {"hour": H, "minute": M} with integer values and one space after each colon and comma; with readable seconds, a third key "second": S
{"hour": 11, "minute": 16}
